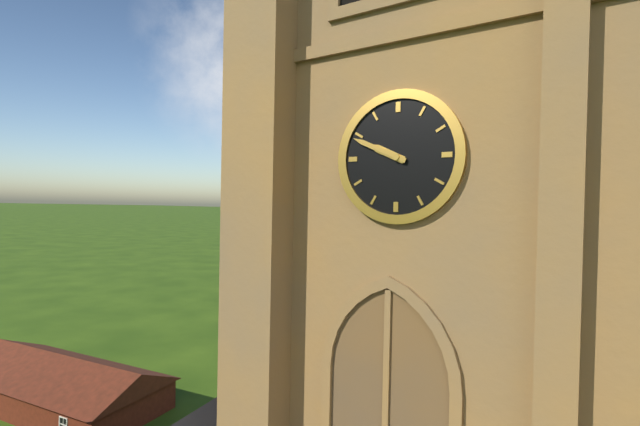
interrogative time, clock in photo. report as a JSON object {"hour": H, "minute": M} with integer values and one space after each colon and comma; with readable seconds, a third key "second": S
{"hour": 9, "minute": 49}
